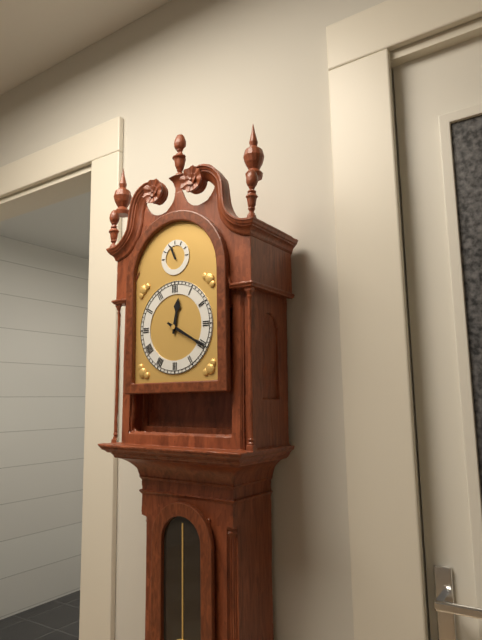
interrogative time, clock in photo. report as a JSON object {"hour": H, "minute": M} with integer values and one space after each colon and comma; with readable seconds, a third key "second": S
{"hour": 12, "minute": 20}
